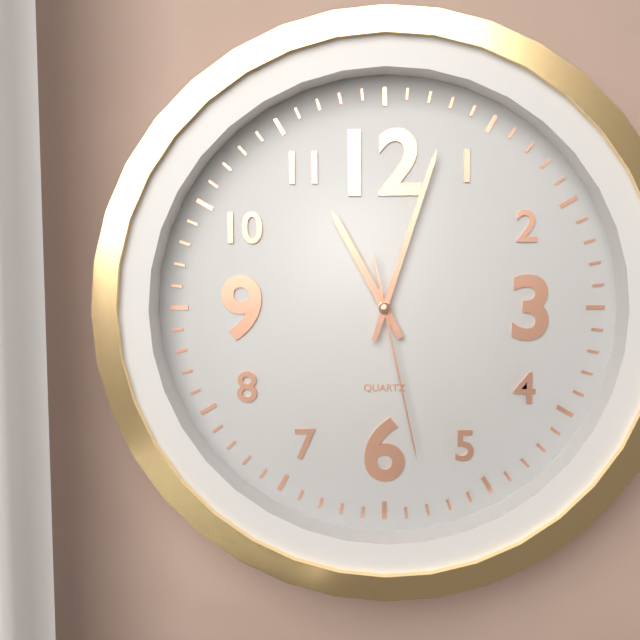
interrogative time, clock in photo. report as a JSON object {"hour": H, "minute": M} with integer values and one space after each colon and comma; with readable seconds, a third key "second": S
{"hour": 11, "minute": 3, "second": 28}
